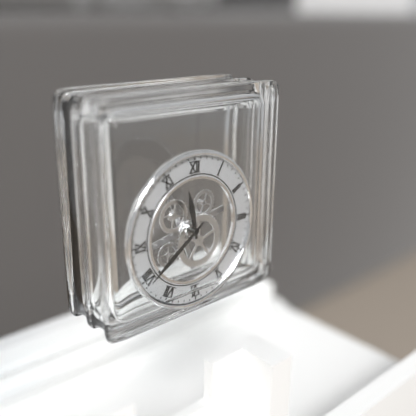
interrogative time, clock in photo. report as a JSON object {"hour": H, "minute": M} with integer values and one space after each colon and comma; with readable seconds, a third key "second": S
{"hour": 11, "minute": 39}
